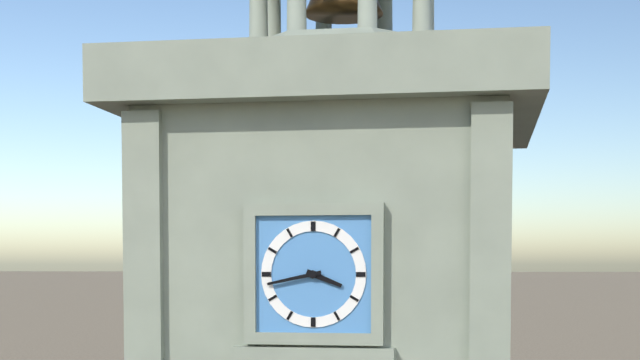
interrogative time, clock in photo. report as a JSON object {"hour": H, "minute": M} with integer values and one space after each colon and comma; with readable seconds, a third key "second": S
{"hour": 3, "minute": 43}
